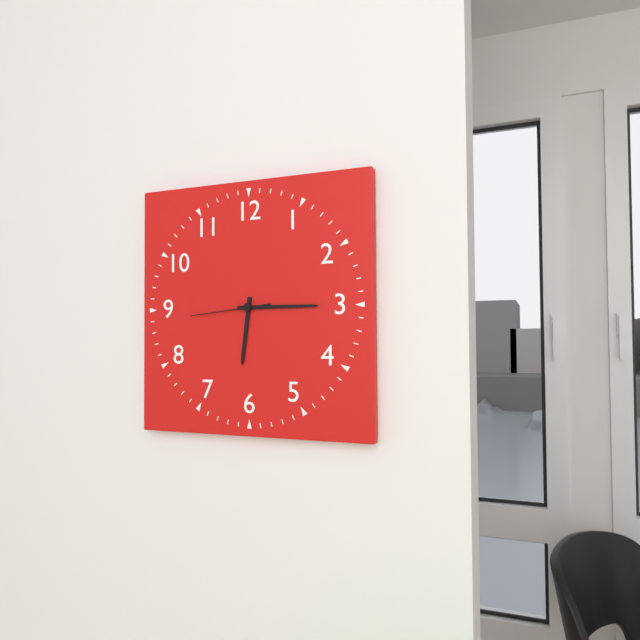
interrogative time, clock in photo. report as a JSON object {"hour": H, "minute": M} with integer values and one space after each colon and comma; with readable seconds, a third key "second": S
{"hour": 6, "minute": 15, "second": 44}
